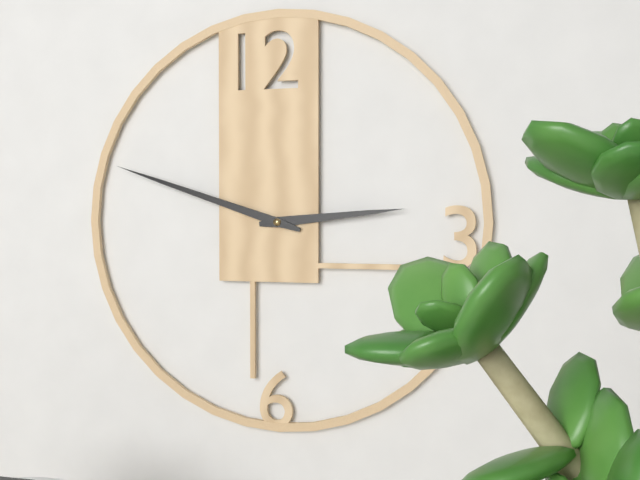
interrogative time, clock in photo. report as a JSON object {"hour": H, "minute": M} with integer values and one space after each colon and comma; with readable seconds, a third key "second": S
{"hour": 2, "minute": 48}
